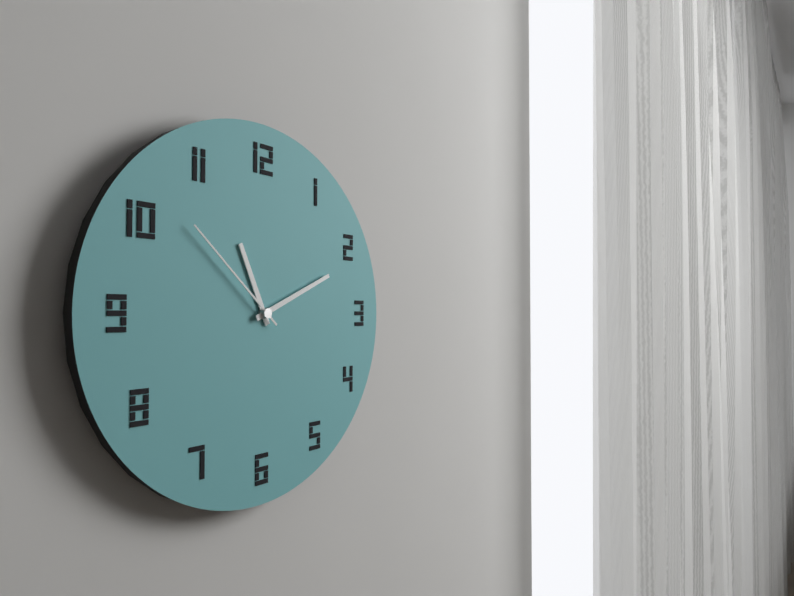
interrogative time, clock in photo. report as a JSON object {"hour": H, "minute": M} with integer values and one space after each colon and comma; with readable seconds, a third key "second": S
{"hour": 11, "minute": 11, "second": 52}
